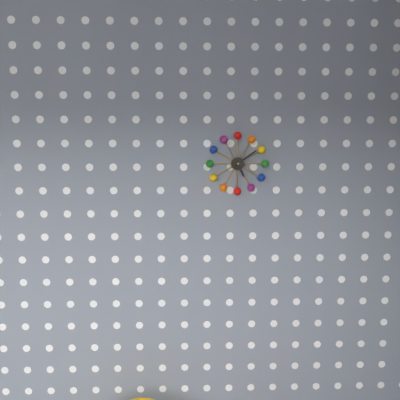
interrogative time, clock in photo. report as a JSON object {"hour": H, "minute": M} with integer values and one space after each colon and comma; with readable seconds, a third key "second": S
{"hour": 5, "minute": 9}
